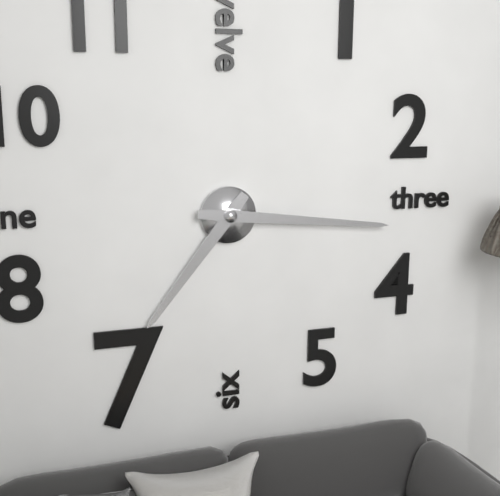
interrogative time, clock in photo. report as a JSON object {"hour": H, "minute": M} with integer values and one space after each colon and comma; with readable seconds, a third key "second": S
{"hour": 7, "minute": 16}
